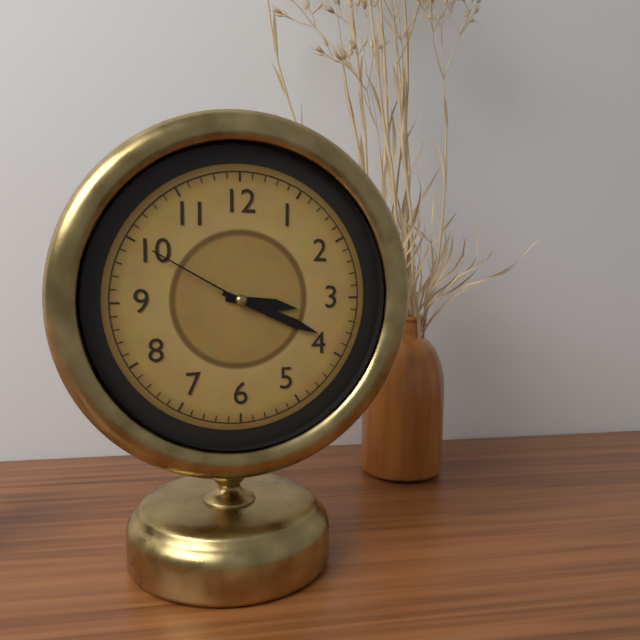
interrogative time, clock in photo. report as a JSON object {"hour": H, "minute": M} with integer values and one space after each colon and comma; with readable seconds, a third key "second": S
{"hour": 3, "minute": 19, "second": 50}
